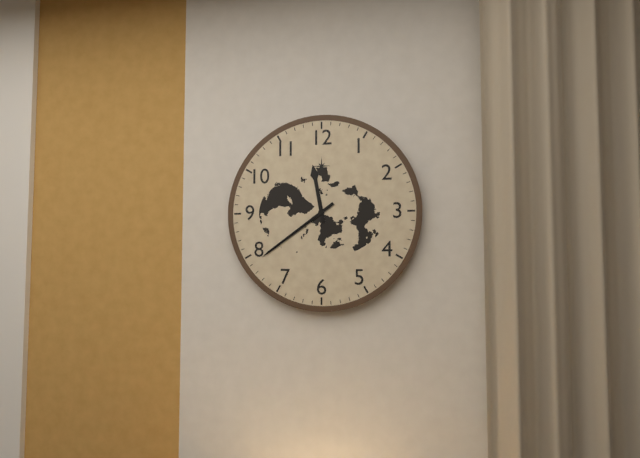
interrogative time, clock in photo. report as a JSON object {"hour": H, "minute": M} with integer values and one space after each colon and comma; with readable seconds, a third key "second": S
{"hour": 11, "minute": 39}
